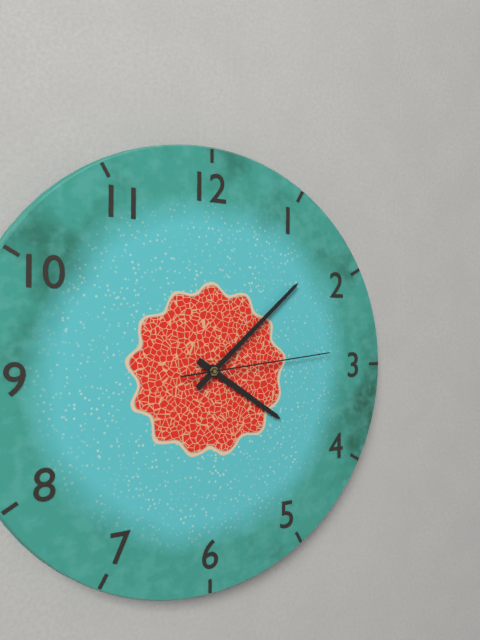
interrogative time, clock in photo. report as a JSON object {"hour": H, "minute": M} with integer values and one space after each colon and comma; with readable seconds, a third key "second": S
{"hour": 4, "minute": 8, "second": 14}
